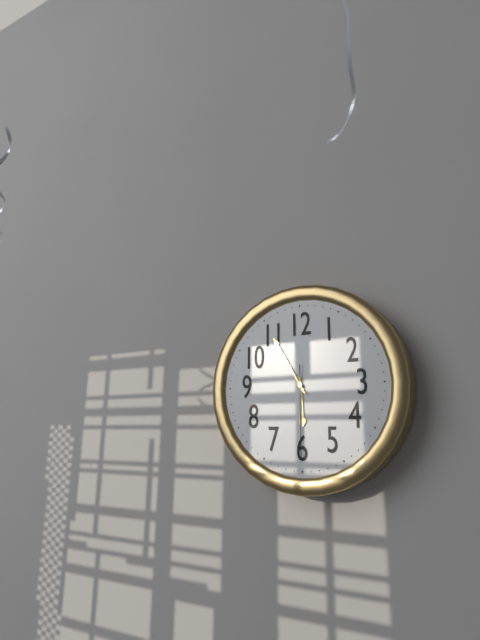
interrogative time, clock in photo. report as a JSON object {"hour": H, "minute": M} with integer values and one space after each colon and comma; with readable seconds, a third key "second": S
{"hour": 5, "minute": 55, "second": 30}
